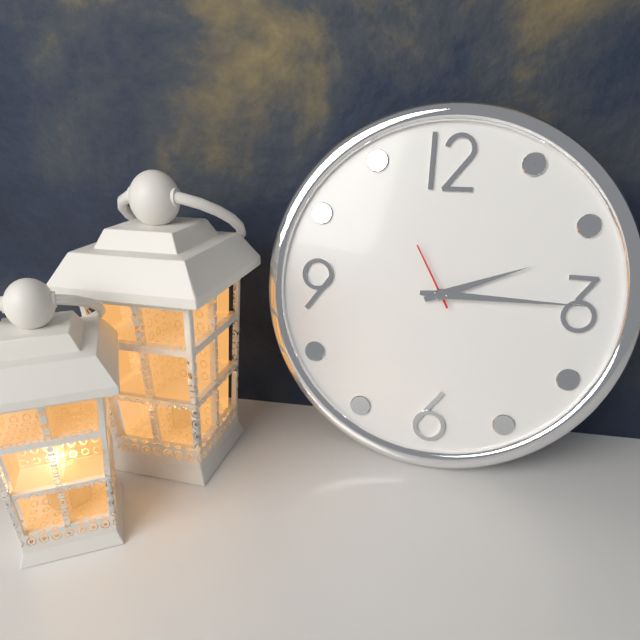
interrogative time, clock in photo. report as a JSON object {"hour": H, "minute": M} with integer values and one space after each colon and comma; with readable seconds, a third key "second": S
{"hour": 2, "minute": 15, "second": 55}
